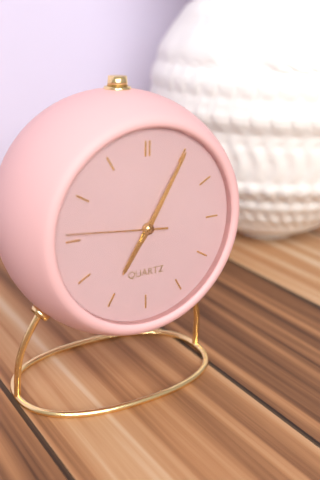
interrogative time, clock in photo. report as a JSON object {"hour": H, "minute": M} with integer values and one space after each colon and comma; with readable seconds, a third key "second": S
{"hour": 7, "minute": 5, "second": 46}
